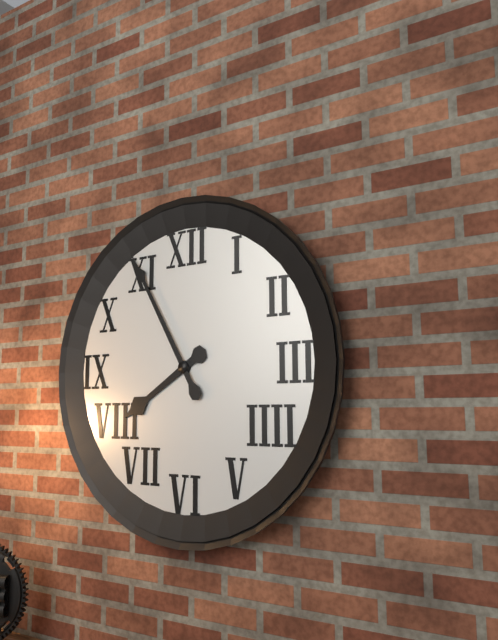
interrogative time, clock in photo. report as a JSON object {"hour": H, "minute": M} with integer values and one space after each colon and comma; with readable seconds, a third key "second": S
{"hour": 7, "minute": 55}
